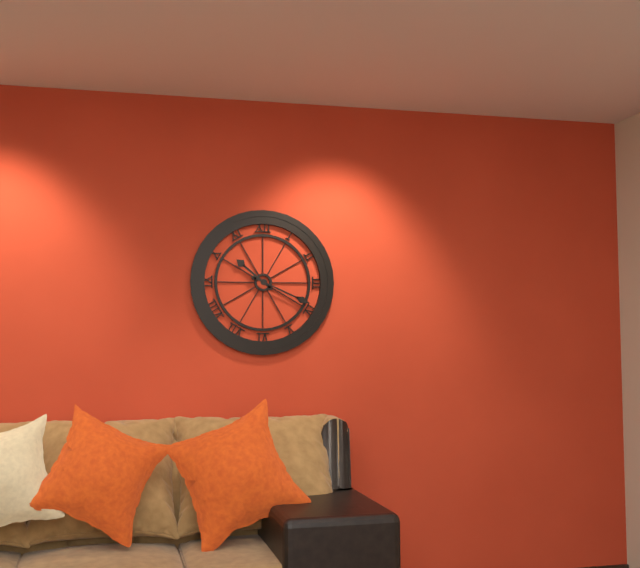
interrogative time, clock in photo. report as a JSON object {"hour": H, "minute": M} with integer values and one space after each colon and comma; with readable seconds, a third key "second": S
{"hour": 10, "minute": 19}
